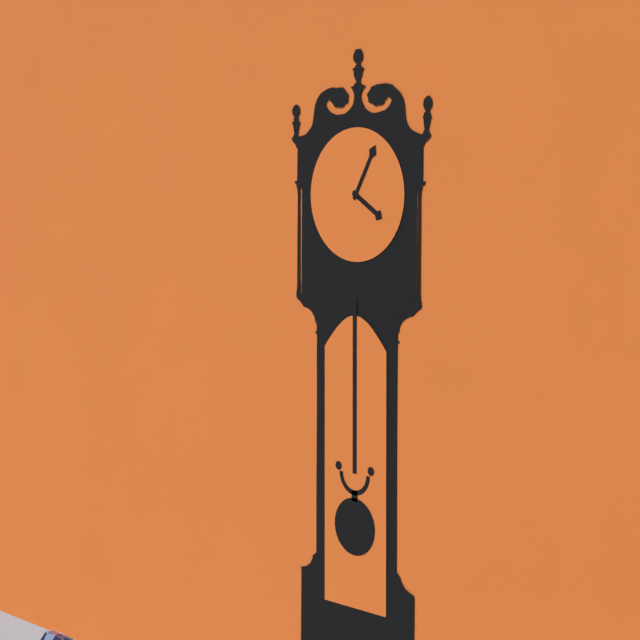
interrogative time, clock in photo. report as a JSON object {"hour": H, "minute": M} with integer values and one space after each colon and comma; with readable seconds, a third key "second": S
{"hour": 4, "minute": 5}
